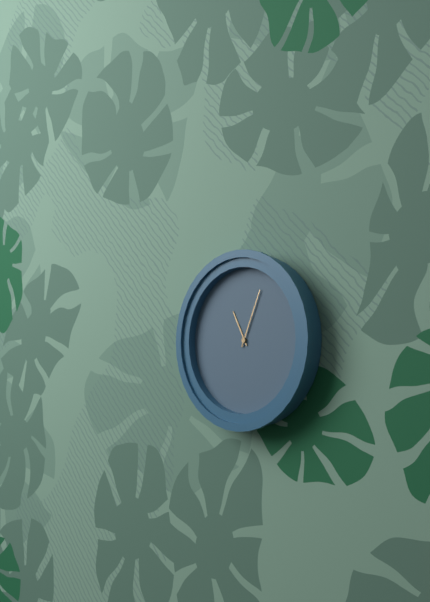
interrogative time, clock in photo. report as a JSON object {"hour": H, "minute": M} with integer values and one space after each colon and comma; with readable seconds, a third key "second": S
{"hour": 11, "minute": 4}
